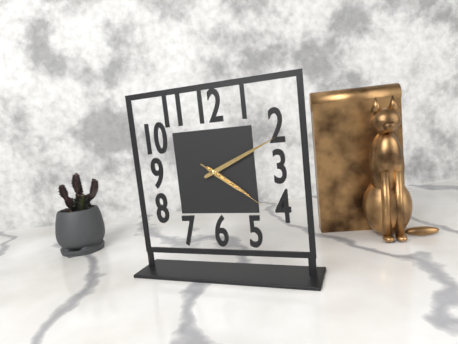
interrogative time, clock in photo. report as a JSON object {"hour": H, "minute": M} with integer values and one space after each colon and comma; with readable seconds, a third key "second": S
{"hour": 4, "minute": 11, "second": 21}
